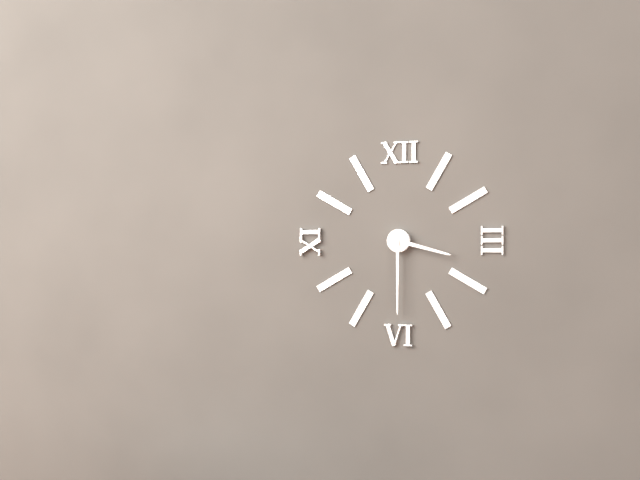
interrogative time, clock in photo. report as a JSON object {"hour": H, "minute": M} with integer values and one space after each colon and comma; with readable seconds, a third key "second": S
{"hour": 3, "minute": 30}
